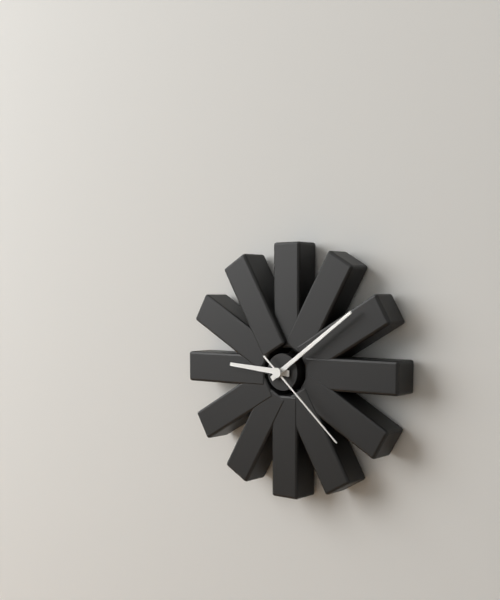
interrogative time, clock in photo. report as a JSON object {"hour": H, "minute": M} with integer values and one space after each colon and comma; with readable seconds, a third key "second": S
{"hour": 9, "minute": 9, "second": 22}
